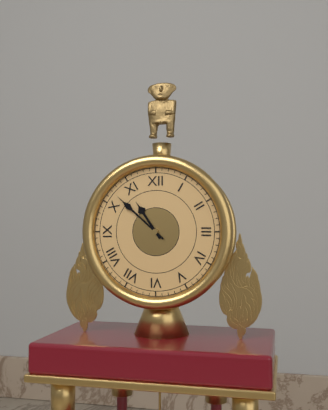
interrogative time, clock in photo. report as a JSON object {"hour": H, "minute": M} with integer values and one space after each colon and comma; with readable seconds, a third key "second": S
{"hour": 10, "minute": 52}
